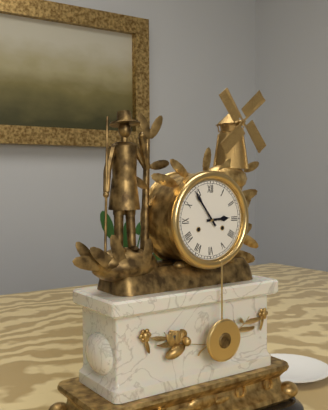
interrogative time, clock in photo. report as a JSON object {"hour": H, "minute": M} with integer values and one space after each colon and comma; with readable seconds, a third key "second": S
{"hour": 2, "minute": 54}
